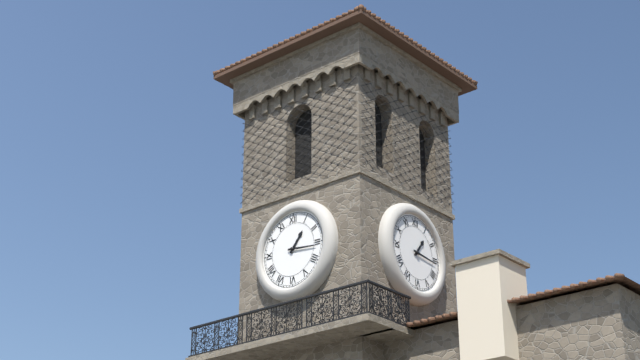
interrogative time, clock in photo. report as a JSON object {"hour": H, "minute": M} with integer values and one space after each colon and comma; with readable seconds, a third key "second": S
{"hour": 1, "minute": 16}
